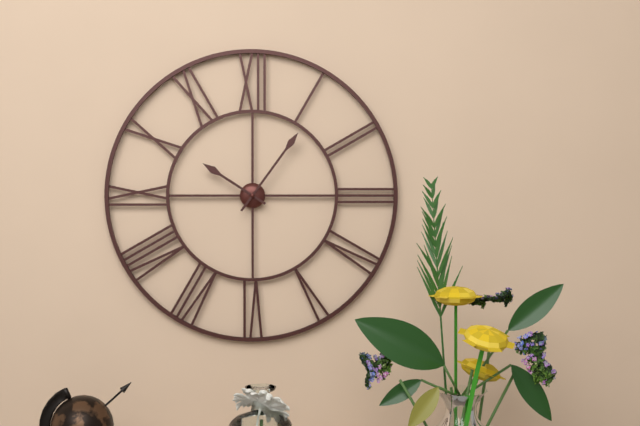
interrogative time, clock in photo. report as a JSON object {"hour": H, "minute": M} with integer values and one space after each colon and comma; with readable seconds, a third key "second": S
{"hour": 10, "minute": 6}
